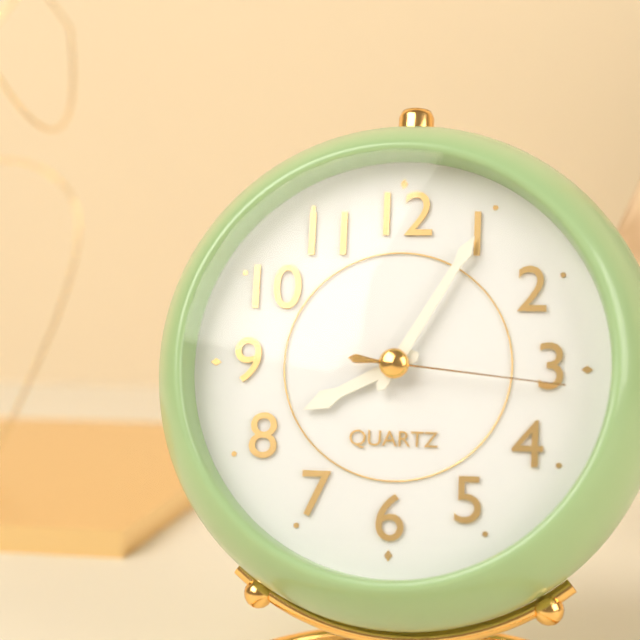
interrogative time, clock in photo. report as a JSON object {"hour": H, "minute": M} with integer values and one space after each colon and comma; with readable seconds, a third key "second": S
{"hour": 8, "minute": 5, "second": 16}
